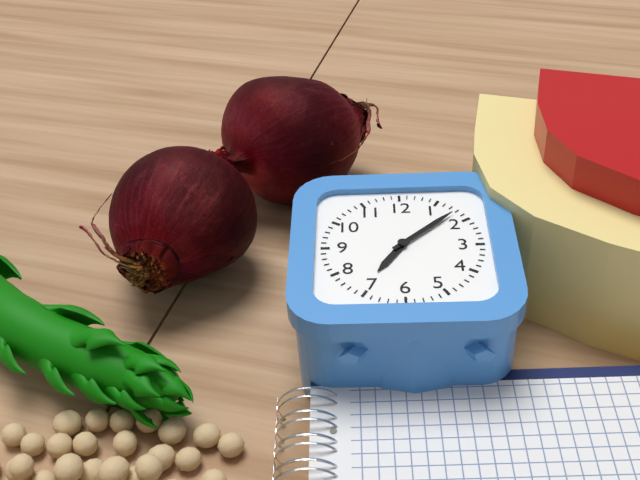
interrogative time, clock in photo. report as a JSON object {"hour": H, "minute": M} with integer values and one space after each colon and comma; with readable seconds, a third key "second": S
{"hour": 7, "minute": 8}
